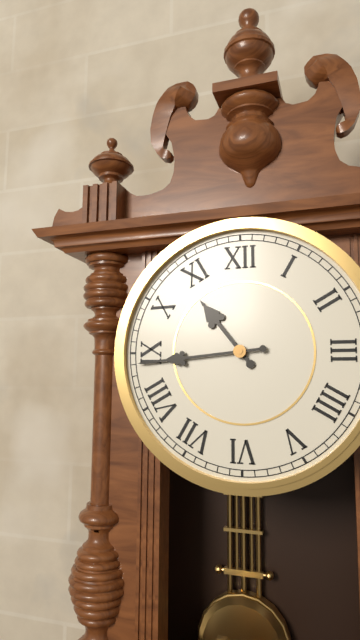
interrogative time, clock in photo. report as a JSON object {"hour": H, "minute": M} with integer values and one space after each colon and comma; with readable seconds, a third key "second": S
{"hour": 10, "minute": 44}
